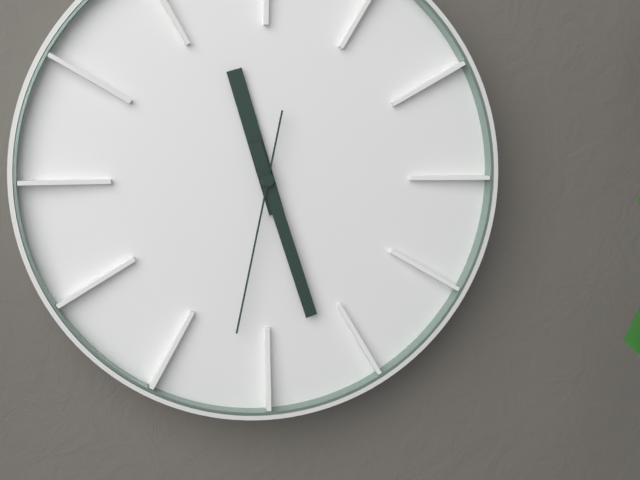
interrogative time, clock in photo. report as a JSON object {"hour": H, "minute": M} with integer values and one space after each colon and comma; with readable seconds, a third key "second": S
{"hour": 11, "minute": 27, "second": 32}
